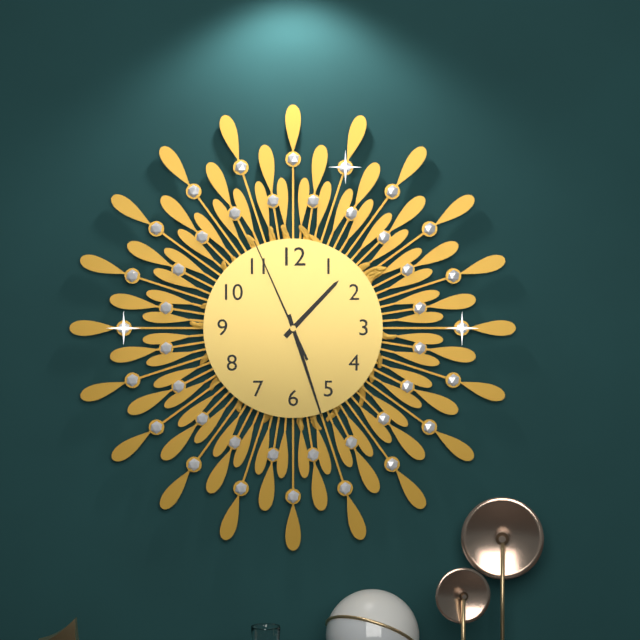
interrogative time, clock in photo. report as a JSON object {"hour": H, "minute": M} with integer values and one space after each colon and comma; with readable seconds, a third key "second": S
{"hour": 1, "minute": 27, "second": 56}
